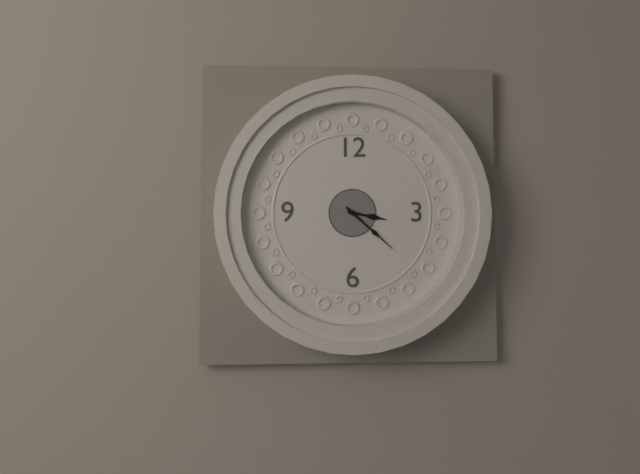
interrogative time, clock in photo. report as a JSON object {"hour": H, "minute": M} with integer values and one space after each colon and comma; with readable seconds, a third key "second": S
{"hour": 3, "minute": 22}
